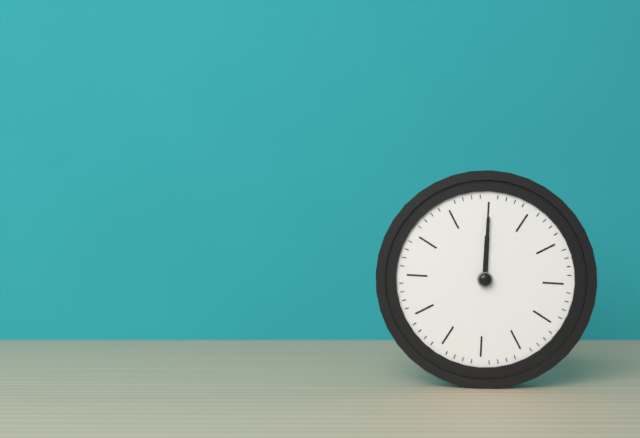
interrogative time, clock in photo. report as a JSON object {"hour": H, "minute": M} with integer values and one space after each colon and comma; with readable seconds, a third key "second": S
{"hour": 12, "minute": 0}
